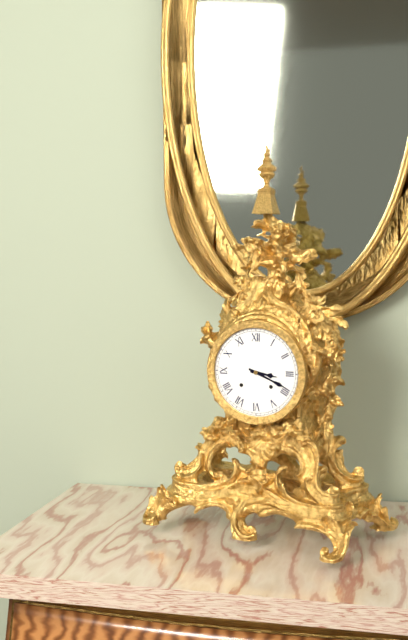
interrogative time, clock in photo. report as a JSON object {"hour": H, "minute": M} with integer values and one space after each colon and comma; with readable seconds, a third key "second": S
{"hour": 3, "minute": 19}
